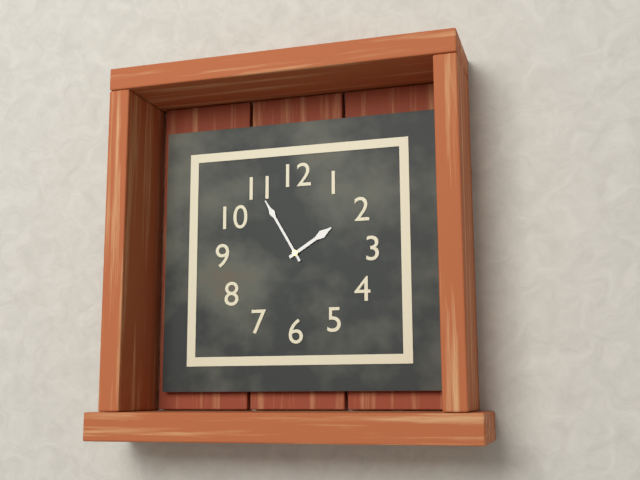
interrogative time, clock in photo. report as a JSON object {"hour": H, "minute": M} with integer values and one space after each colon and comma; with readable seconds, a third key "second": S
{"hour": 1, "minute": 55}
